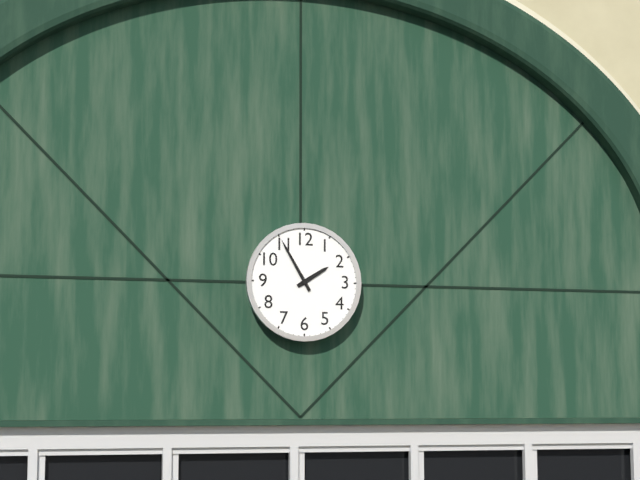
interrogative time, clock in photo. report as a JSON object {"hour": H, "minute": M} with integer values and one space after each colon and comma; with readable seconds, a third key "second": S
{"hour": 1, "minute": 55}
